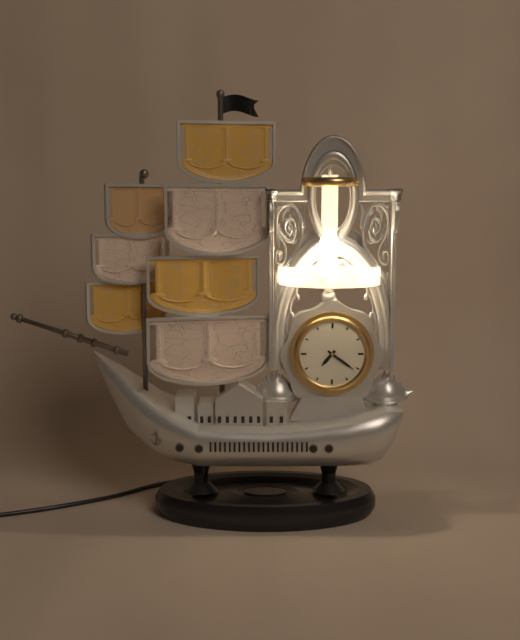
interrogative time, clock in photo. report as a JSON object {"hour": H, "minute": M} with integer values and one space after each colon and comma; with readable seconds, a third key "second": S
{"hour": 7, "minute": 21}
